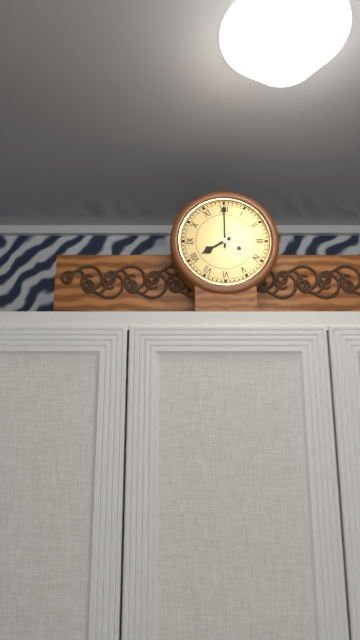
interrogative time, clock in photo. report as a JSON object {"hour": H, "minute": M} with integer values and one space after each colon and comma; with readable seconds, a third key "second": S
{"hour": 8, "minute": 0}
